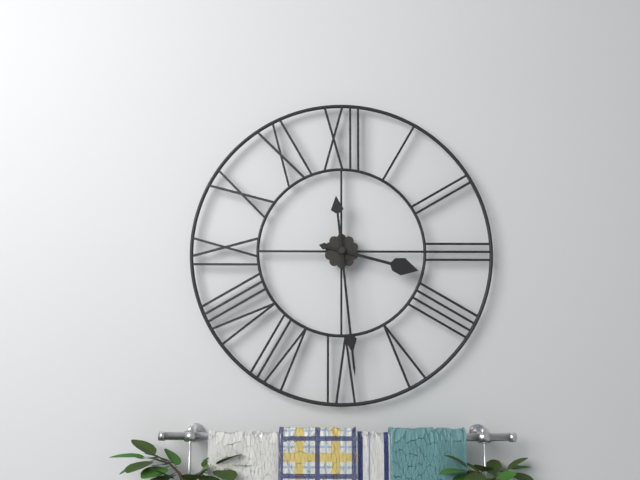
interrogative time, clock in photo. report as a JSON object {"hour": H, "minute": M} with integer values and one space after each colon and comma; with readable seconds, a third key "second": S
{"hour": 3, "minute": 29}
